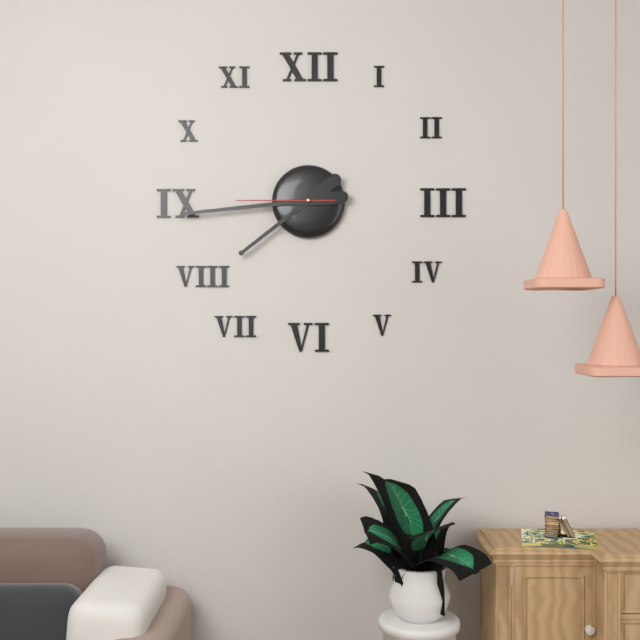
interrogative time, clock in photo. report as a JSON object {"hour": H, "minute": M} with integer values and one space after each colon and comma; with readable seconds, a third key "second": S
{"hour": 7, "minute": 44, "second": 45}
